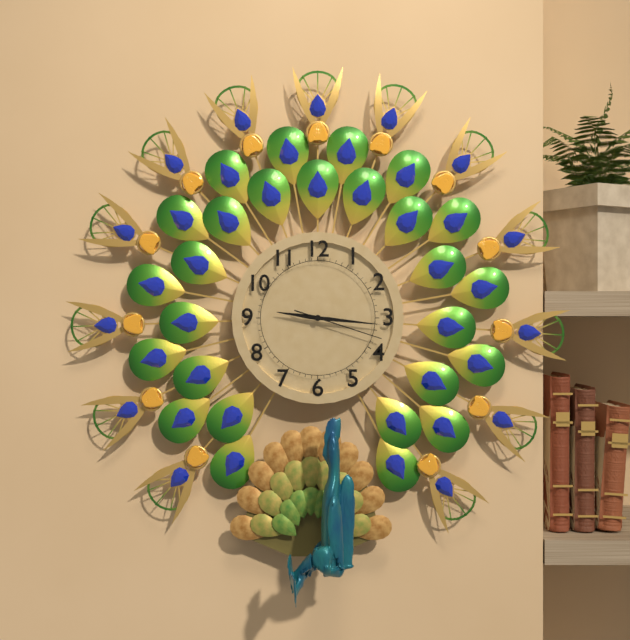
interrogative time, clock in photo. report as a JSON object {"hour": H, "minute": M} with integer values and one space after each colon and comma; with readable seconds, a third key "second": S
{"hour": 9, "minute": 16, "second": 18}
